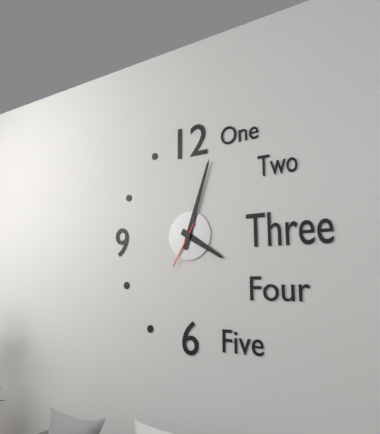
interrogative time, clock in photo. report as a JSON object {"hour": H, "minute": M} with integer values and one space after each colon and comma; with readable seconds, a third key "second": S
{"hour": 4, "minute": 3}
